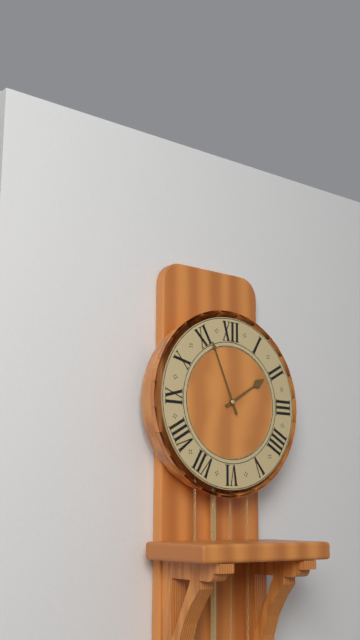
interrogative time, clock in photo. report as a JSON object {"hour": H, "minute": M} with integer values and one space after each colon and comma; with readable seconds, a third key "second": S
{"hour": 1, "minute": 56}
